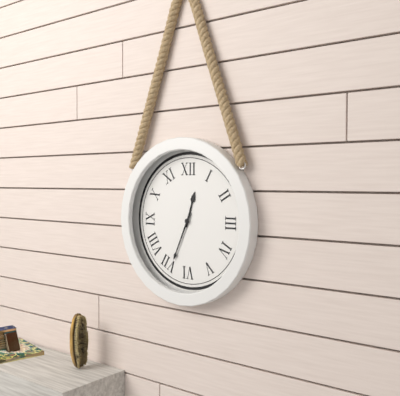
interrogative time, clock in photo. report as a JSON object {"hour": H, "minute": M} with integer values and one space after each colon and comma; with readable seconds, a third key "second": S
{"hour": 12, "minute": 34}
